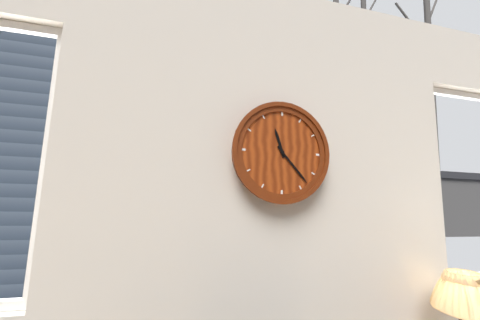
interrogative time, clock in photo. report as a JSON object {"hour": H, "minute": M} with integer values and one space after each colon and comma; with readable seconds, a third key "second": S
{"hour": 11, "minute": 23}
